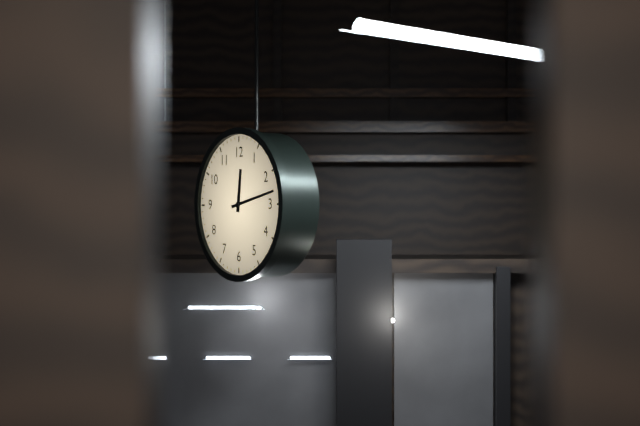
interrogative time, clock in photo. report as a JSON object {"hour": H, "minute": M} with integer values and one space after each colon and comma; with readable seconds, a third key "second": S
{"hour": 12, "minute": 13}
